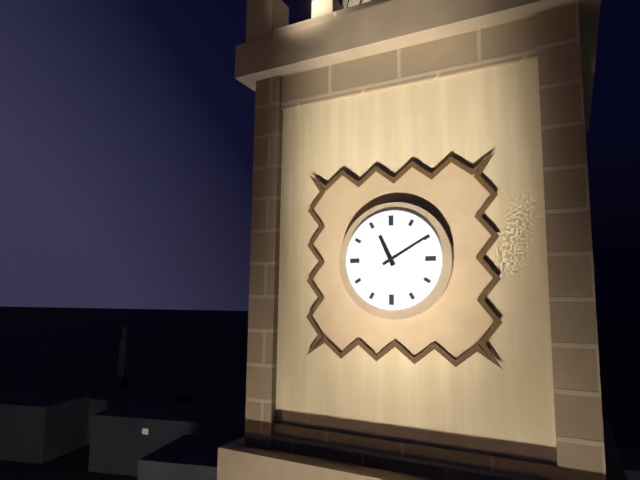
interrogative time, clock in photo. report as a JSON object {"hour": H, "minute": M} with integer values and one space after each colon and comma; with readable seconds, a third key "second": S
{"hour": 11, "minute": 10}
